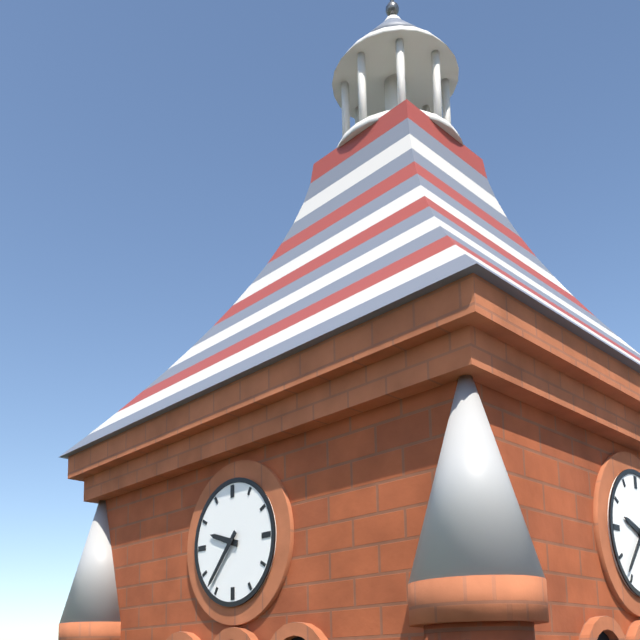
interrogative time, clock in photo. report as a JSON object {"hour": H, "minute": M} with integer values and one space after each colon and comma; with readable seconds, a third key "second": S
{"hour": 9, "minute": 37}
